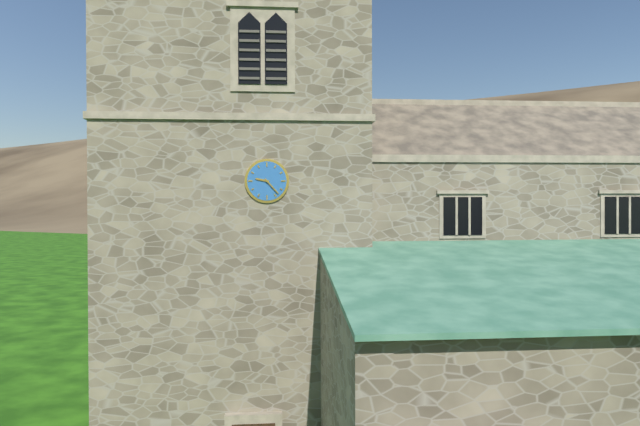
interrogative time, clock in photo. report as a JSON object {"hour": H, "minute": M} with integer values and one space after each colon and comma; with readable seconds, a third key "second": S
{"hour": 9, "minute": 23}
